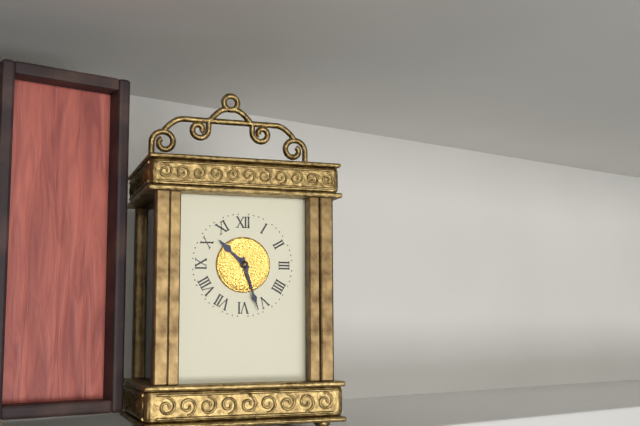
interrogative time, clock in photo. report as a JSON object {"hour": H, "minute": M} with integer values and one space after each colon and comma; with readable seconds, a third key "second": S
{"hour": 10, "minute": 27}
